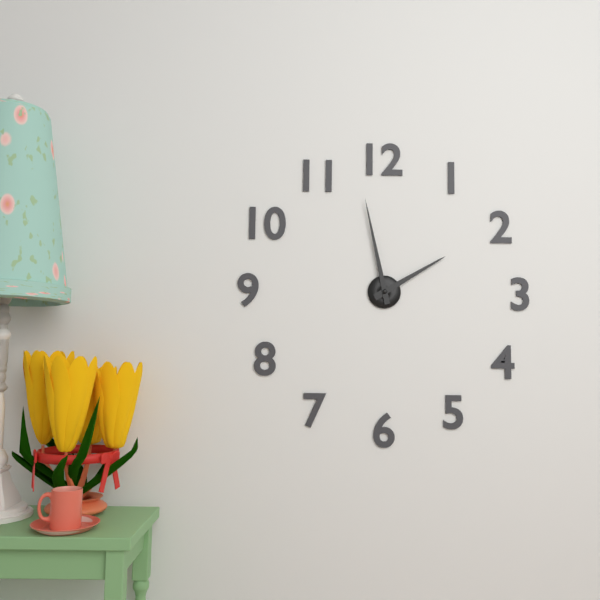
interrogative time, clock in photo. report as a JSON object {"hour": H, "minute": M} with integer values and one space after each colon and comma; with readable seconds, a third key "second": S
{"hour": 1, "minute": 58}
